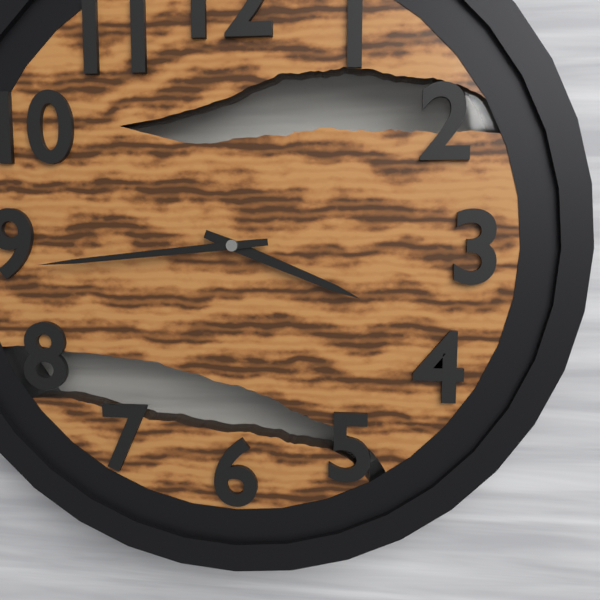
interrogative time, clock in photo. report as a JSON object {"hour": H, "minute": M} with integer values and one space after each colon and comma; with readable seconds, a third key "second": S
{"hour": 3, "minute": 44}
